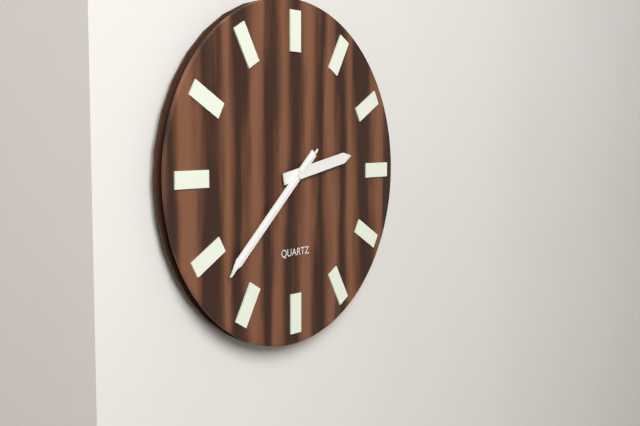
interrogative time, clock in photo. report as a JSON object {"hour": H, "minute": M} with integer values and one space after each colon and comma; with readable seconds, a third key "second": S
{"hour": 2, "minute": 38, "second": 38}
